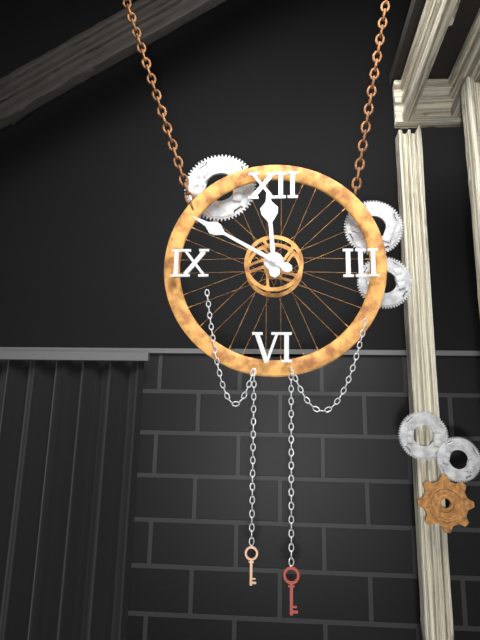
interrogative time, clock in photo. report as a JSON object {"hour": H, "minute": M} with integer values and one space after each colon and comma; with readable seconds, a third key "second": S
{"hour": 11, "minute": 50}
